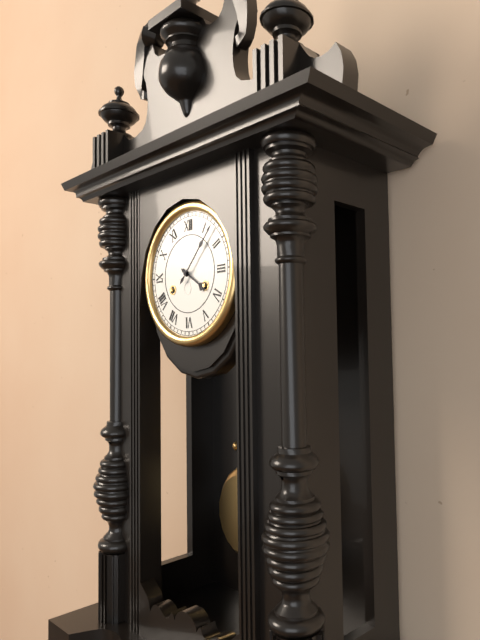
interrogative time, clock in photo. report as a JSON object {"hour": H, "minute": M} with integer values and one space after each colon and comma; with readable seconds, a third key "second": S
{"hour": 4, "minute": 7}
